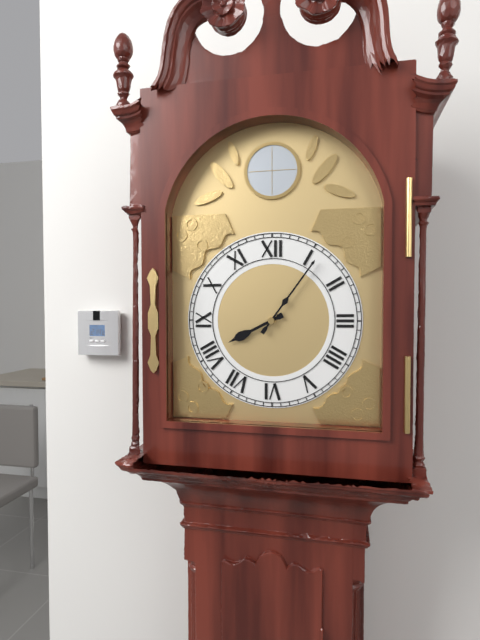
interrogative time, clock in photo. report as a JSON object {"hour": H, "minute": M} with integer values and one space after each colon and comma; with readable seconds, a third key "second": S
{"hour": 8, "minute": 6}
